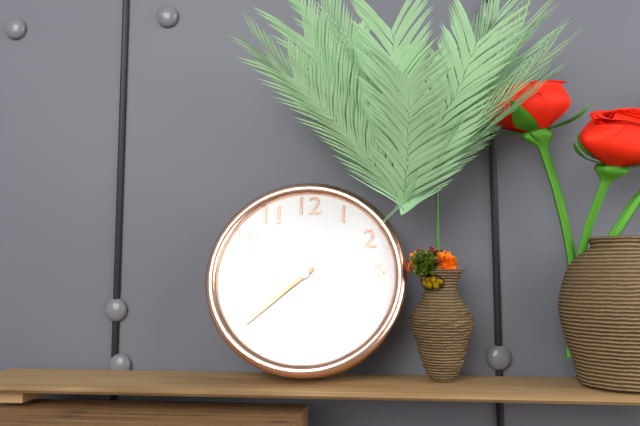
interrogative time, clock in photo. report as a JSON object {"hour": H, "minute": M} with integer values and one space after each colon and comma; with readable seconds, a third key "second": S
{"hour": 7, "minute": 38}
